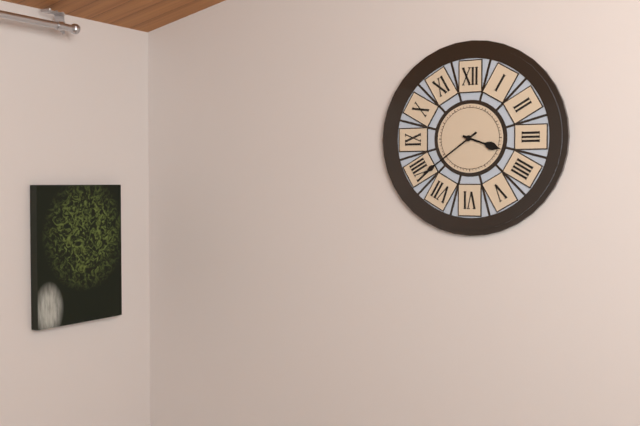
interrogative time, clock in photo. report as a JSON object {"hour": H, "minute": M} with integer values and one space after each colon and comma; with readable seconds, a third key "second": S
{"hour": 3, "minute": 39}
